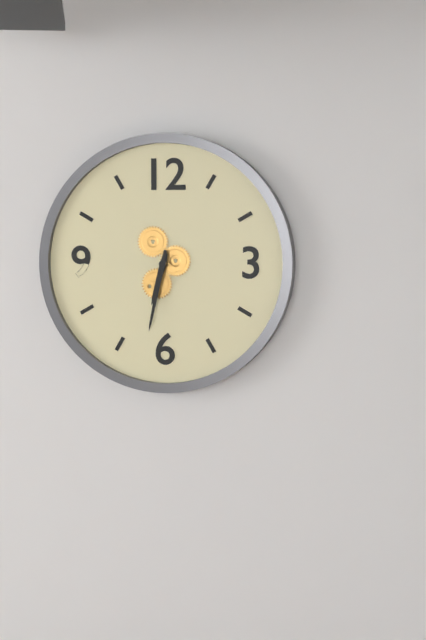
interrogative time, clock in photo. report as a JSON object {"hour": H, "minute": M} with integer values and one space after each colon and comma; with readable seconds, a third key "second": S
{"hour": 6, "minute": 32}
